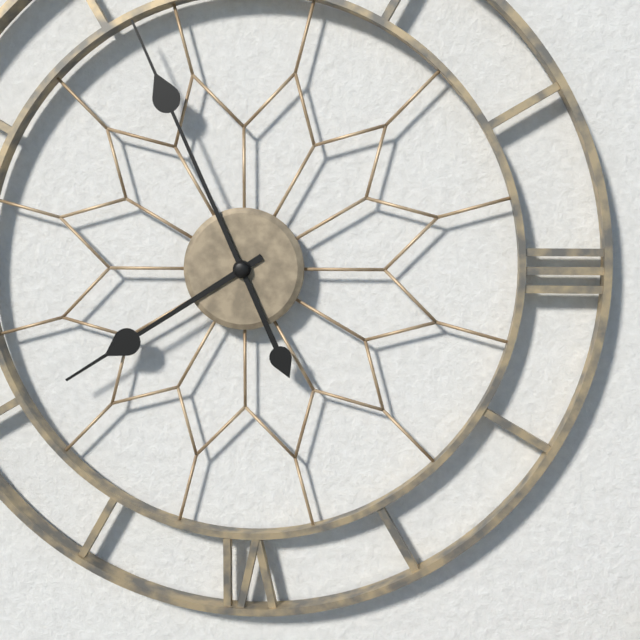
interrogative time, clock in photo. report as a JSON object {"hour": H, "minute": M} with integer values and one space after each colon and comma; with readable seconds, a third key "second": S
{"hour": 7, "minute": 56}
